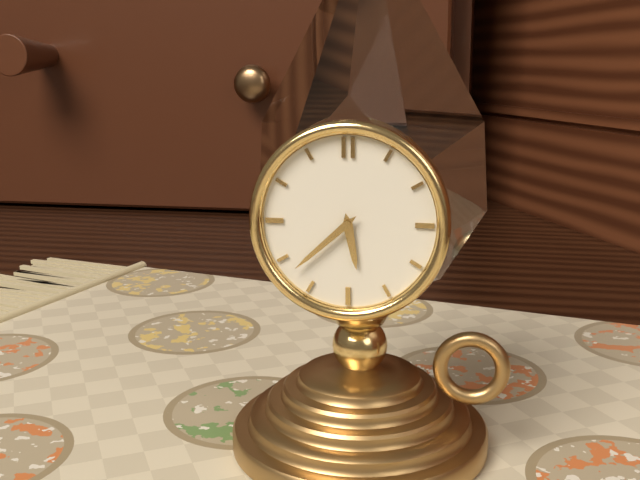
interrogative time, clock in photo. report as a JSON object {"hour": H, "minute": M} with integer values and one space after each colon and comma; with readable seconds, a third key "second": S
{"hour": 5, "minute": 38}
